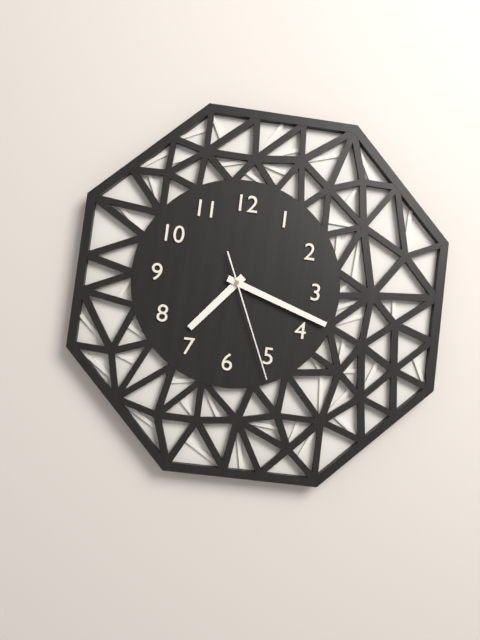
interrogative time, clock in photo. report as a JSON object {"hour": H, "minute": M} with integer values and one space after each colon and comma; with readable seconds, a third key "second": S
{"hour": 7, "minute": 18, "second": 26}
